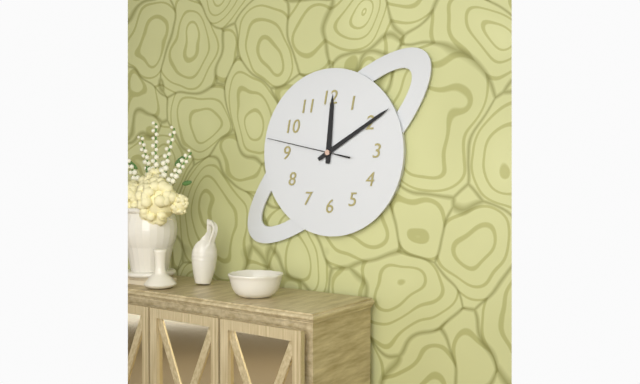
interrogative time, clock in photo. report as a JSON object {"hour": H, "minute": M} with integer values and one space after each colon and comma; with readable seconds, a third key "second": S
{"hour": 12, "minute": 10, "second": 47}
